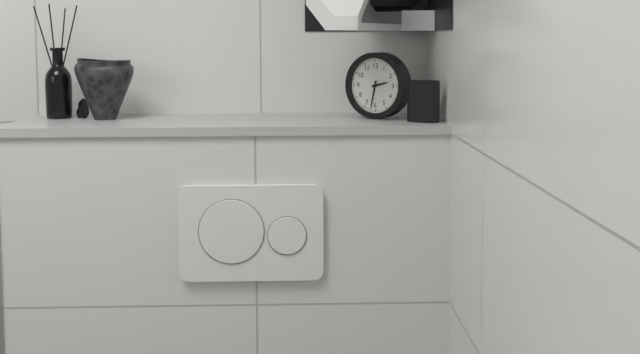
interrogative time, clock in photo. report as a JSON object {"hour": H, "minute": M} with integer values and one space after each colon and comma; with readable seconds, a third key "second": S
{"hour": 2, "minute": 32}
